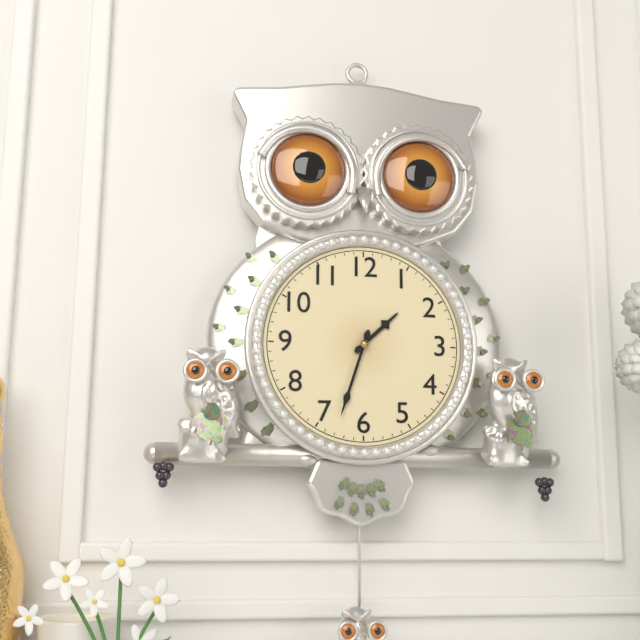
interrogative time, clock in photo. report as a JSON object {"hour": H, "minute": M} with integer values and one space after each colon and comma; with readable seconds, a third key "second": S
{"hour": 1, "minute": 33}
